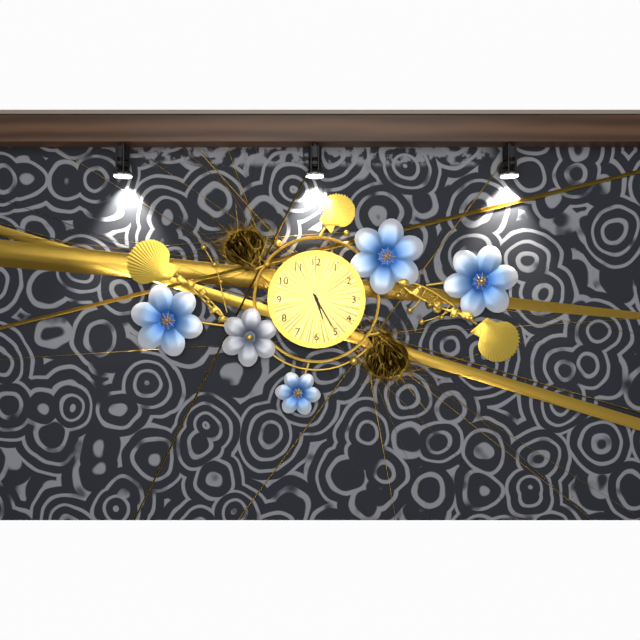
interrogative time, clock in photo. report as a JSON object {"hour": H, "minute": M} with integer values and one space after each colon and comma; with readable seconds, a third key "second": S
{"hour": 5, "minute": 25}
